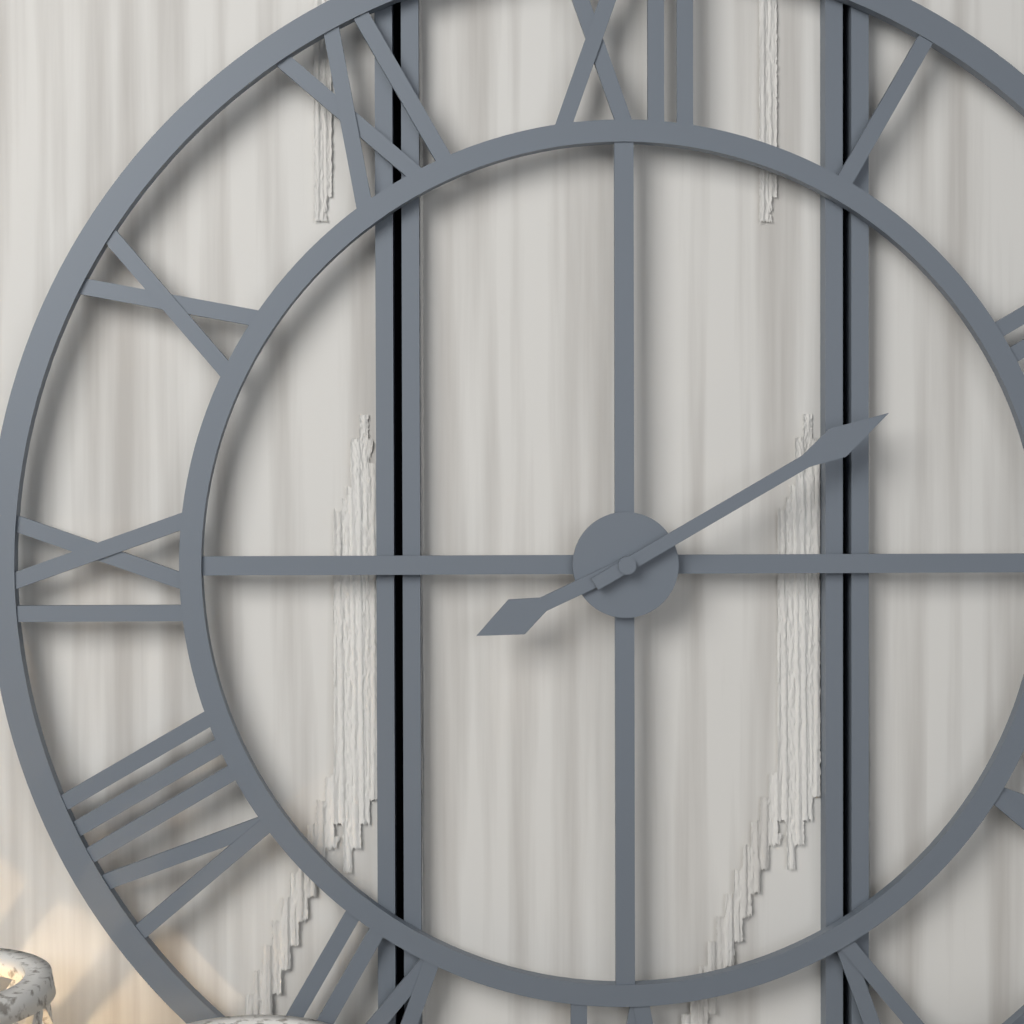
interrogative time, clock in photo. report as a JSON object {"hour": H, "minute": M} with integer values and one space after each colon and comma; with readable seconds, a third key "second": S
{"hour": 8, "minute": 10}
